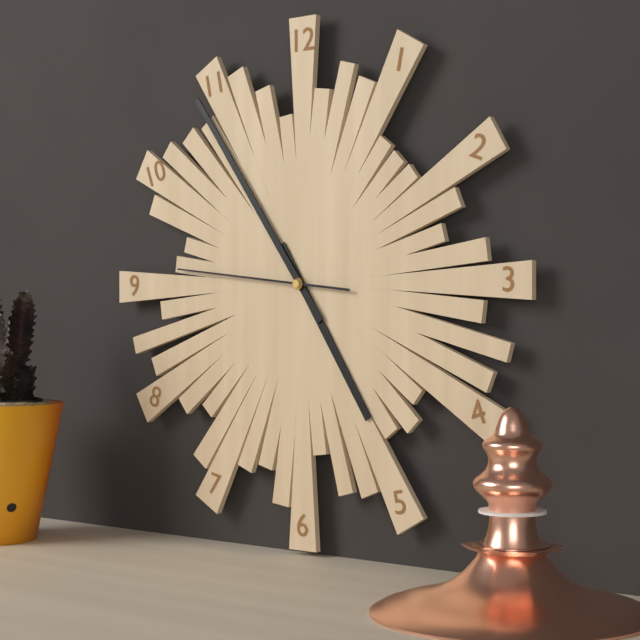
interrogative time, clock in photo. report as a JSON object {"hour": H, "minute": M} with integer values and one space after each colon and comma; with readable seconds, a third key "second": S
{"hour": 4, "minute": 54, "second": 46}
